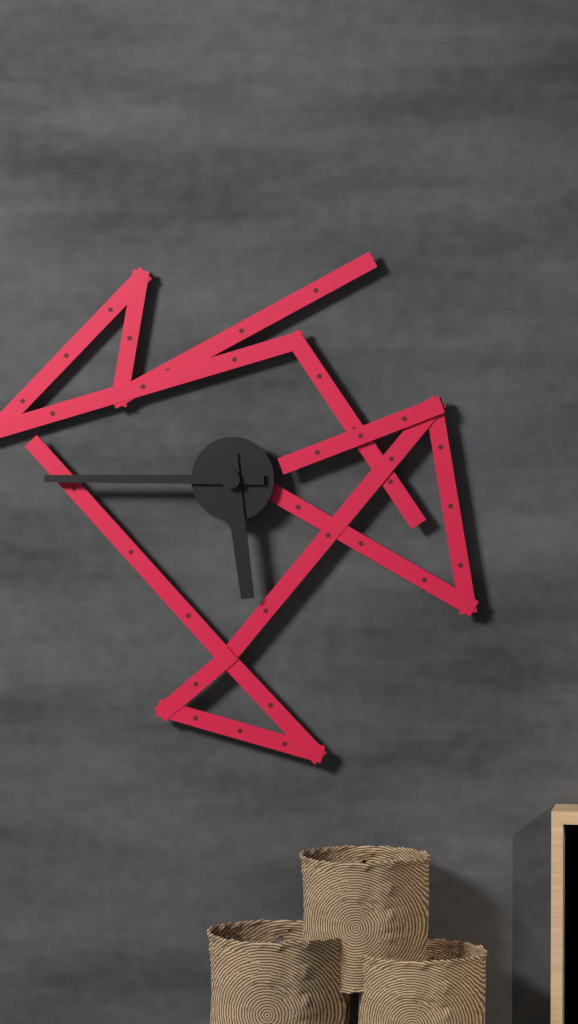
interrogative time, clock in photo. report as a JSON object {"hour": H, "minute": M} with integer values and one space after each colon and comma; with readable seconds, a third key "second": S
{"hour": 5, "minute": 45}
